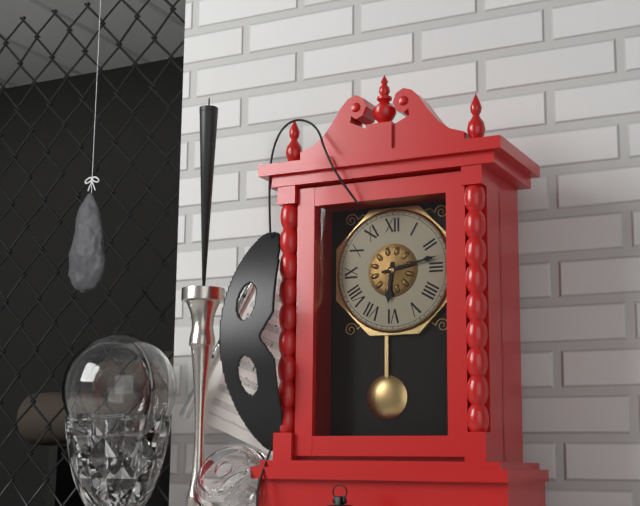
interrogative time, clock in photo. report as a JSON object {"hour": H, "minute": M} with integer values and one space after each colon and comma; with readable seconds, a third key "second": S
{"hour": 6, "minute": 13}
